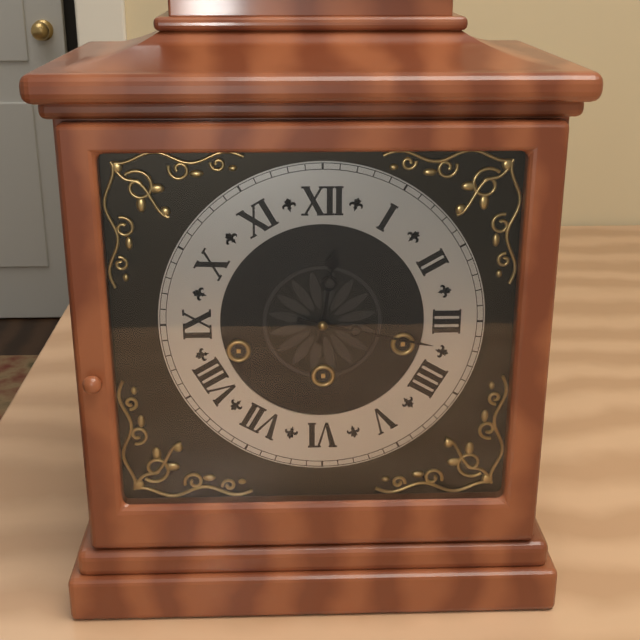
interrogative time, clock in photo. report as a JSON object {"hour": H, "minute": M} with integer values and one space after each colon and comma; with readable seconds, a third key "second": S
{"hour": 12, "minute": 17}
